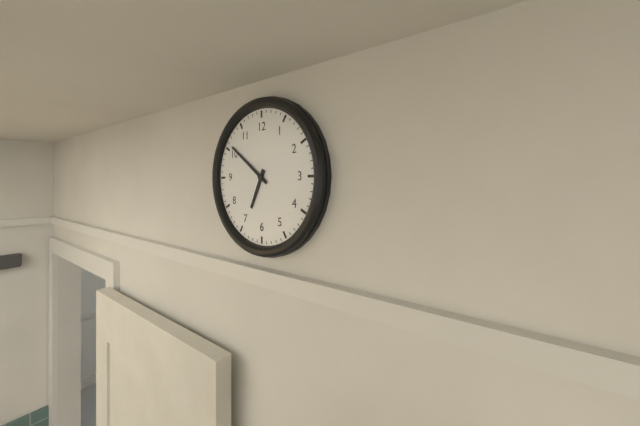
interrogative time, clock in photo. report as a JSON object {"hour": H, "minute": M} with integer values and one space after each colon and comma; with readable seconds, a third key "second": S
{"hour": 6, "minute": 51}
